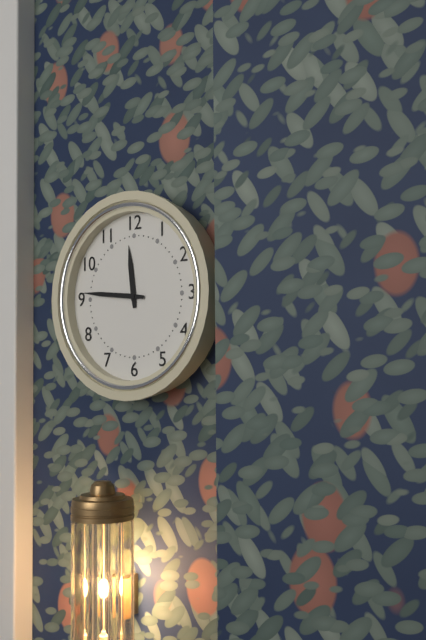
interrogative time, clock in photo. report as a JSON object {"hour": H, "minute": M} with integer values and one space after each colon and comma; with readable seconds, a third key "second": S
{"hour": 11, "minute": 46}
